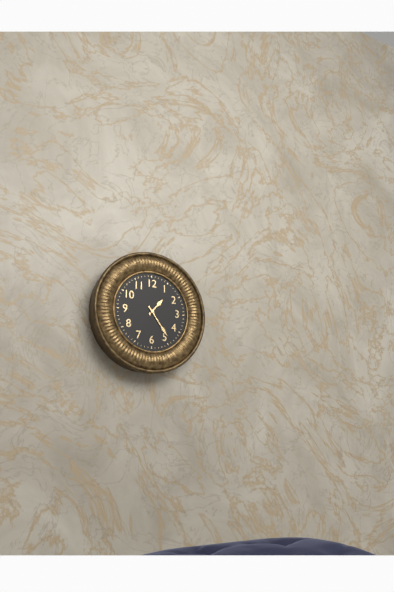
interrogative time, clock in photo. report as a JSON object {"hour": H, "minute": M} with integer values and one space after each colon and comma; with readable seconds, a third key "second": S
{"hour": 1, "minute": 24}
